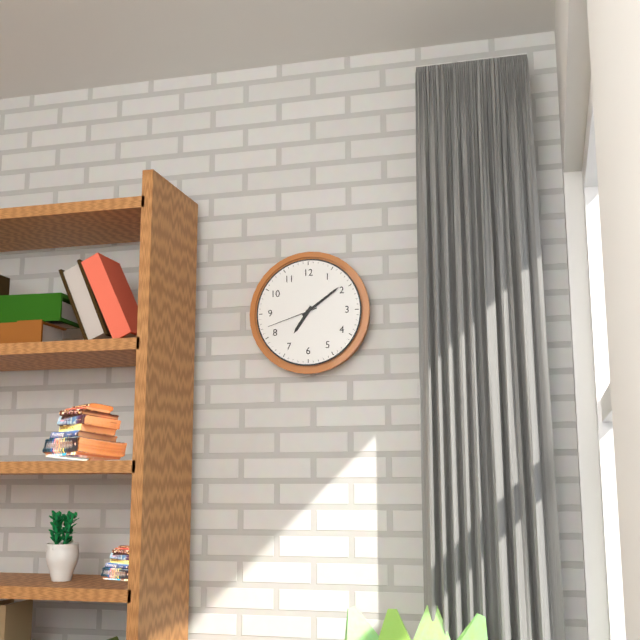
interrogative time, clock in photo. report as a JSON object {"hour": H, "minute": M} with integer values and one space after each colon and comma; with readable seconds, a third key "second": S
{"hour": 7, "minute": 9, "second": 42}
